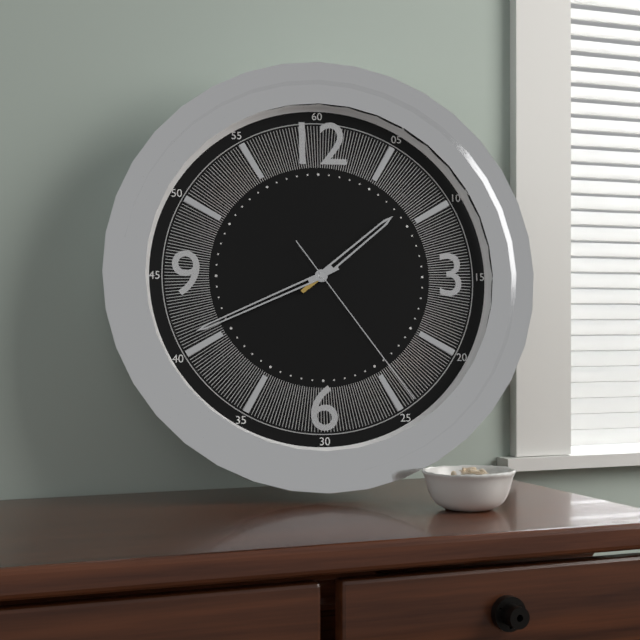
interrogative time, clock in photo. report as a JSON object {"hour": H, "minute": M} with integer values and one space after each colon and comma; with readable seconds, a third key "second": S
{"hour": 1, "minute": 41, "second": 24}
